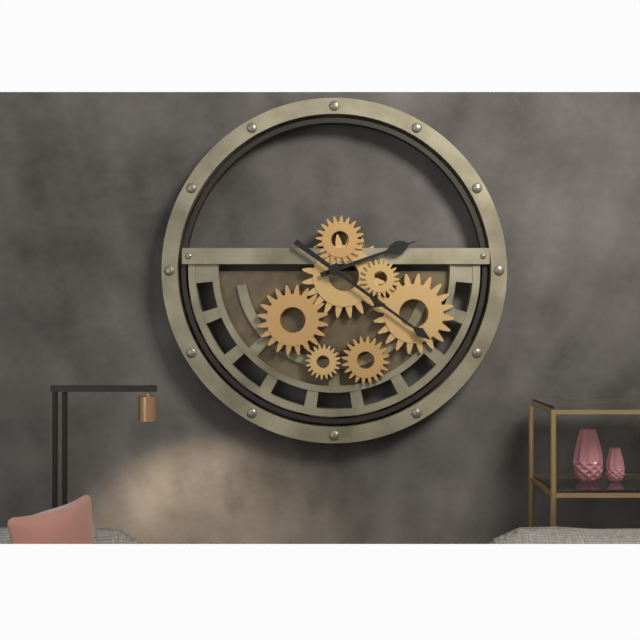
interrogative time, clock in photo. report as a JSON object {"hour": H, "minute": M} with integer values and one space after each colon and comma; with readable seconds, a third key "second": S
{"hour": 2, "minute": 21}
